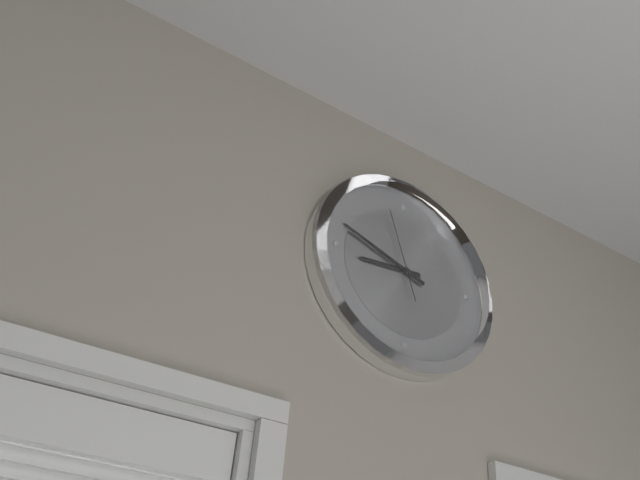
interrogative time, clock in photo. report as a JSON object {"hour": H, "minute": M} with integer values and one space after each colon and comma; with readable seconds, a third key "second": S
{"hour": 8, "minute": 48, "second": 57}
